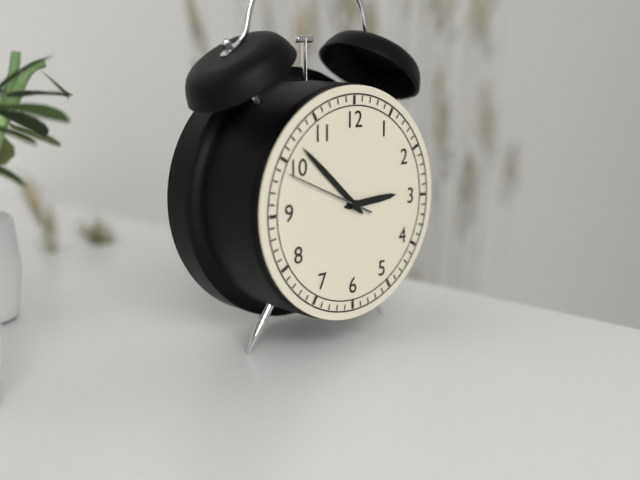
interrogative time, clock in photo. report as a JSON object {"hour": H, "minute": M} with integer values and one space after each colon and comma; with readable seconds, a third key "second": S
{"hour": 2, "minute": 52}
